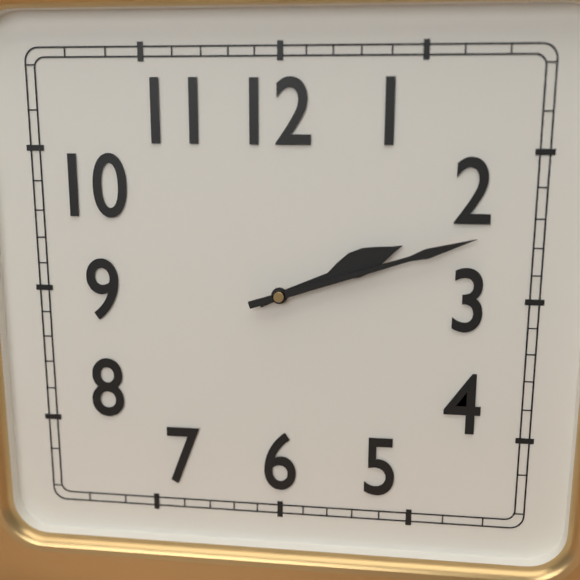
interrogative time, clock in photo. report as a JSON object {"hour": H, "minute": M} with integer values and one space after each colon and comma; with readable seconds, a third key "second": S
{"hour": 2, "minute": 12}
